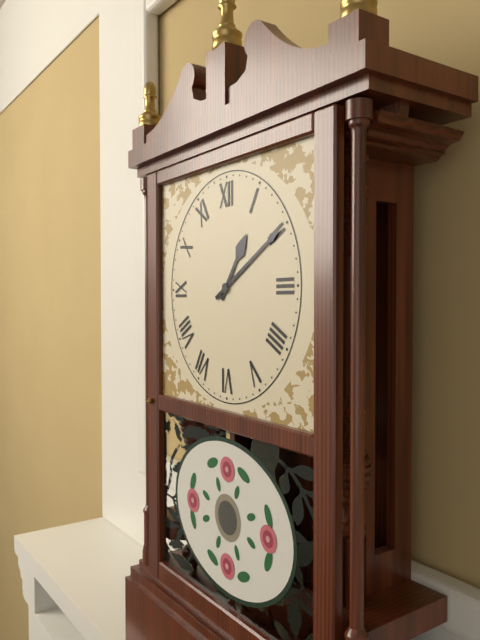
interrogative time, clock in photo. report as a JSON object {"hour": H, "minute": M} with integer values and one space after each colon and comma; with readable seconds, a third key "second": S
{"hour": 1, "minute": 10}
